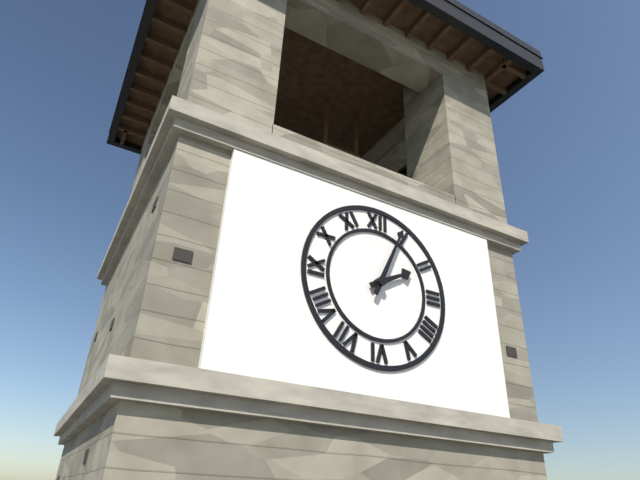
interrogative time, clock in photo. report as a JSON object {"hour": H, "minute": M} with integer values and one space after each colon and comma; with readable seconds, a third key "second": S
{"hour": 2, "minute": 4}
